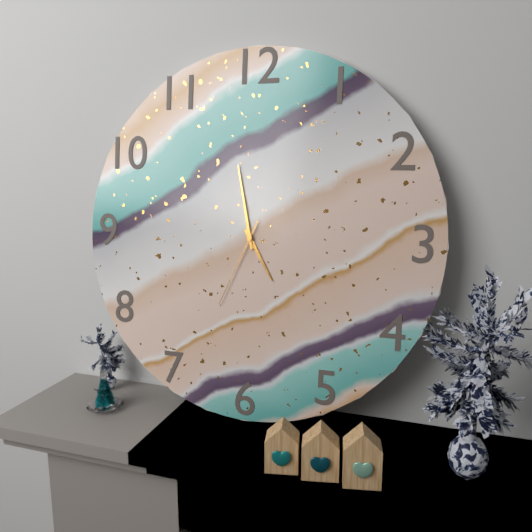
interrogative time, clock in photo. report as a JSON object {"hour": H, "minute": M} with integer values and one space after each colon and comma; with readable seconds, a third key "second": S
{"hour": 4, "minute": 58, "second": 34}
